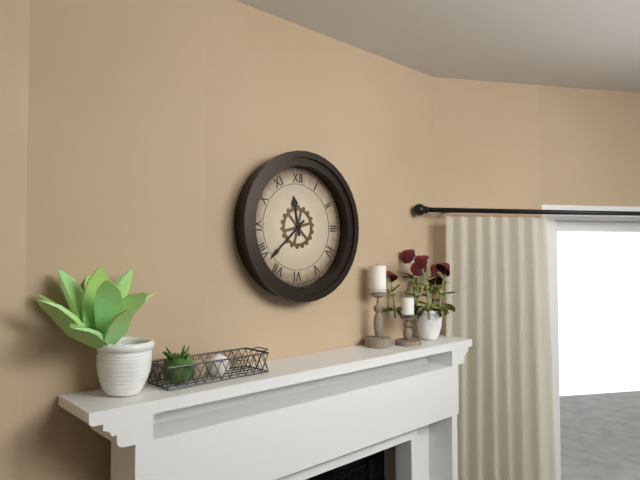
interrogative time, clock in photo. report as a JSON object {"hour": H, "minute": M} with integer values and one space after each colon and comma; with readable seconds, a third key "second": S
{"hour": 11, "minute": 38}
